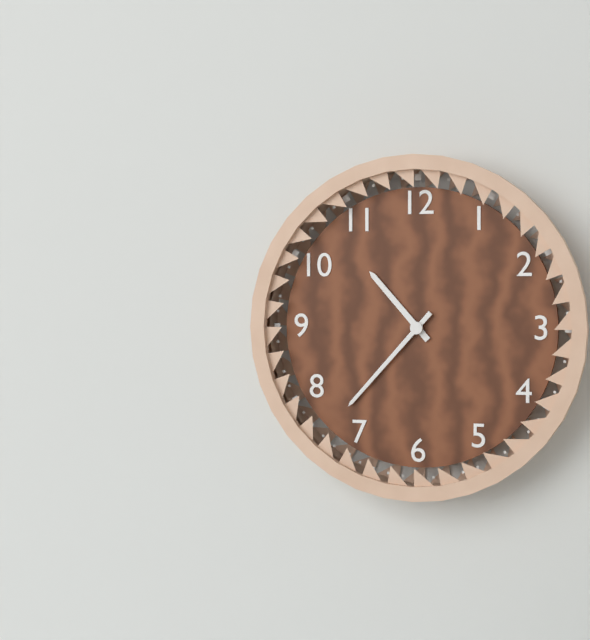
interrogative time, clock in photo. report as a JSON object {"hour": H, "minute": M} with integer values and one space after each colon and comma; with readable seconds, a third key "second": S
{"hour": 10, "minute": 37}
